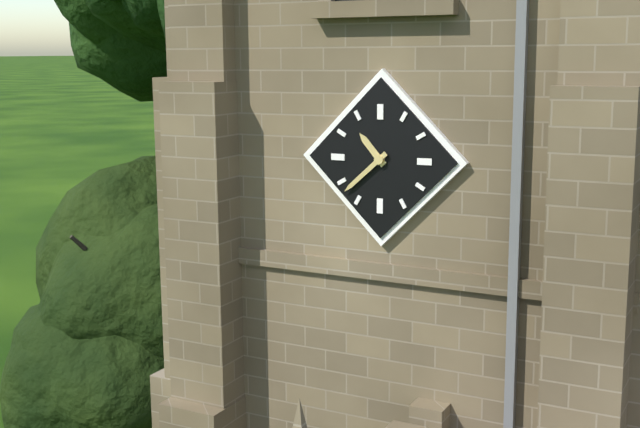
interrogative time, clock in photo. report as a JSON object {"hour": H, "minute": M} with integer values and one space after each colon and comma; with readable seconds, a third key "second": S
{"hour": 10, "minute": 38}
